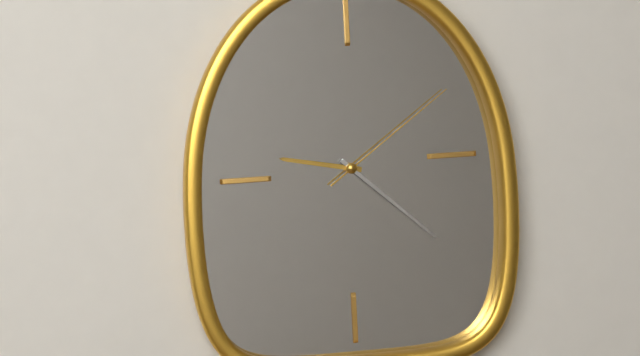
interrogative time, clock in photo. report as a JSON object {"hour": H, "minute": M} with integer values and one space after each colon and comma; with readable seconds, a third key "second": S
{"hour": 9, "minute": 22, "second": 9}
